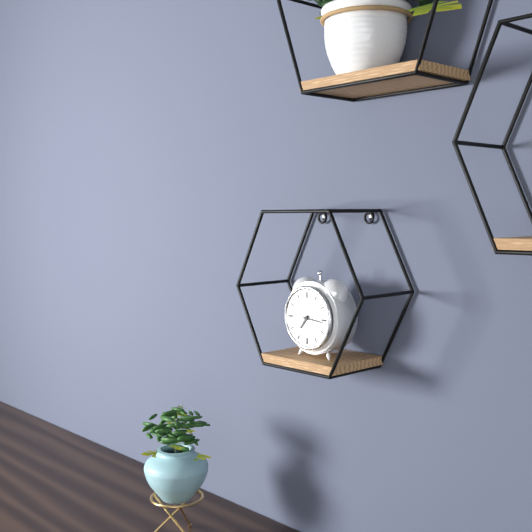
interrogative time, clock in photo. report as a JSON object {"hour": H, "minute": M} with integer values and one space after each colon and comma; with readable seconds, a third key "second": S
{"hour": 7, "minute": 16}
